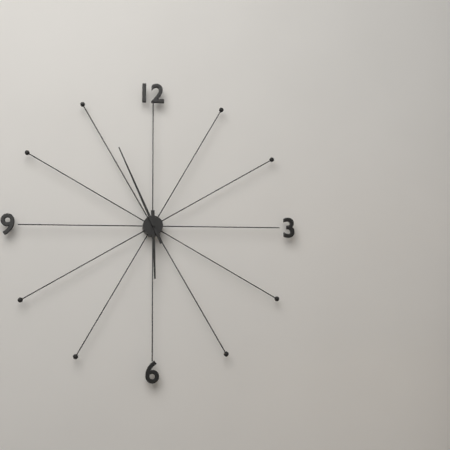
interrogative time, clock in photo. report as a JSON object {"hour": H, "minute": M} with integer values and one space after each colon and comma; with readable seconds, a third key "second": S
{"hour": 5, "minute": 56}
